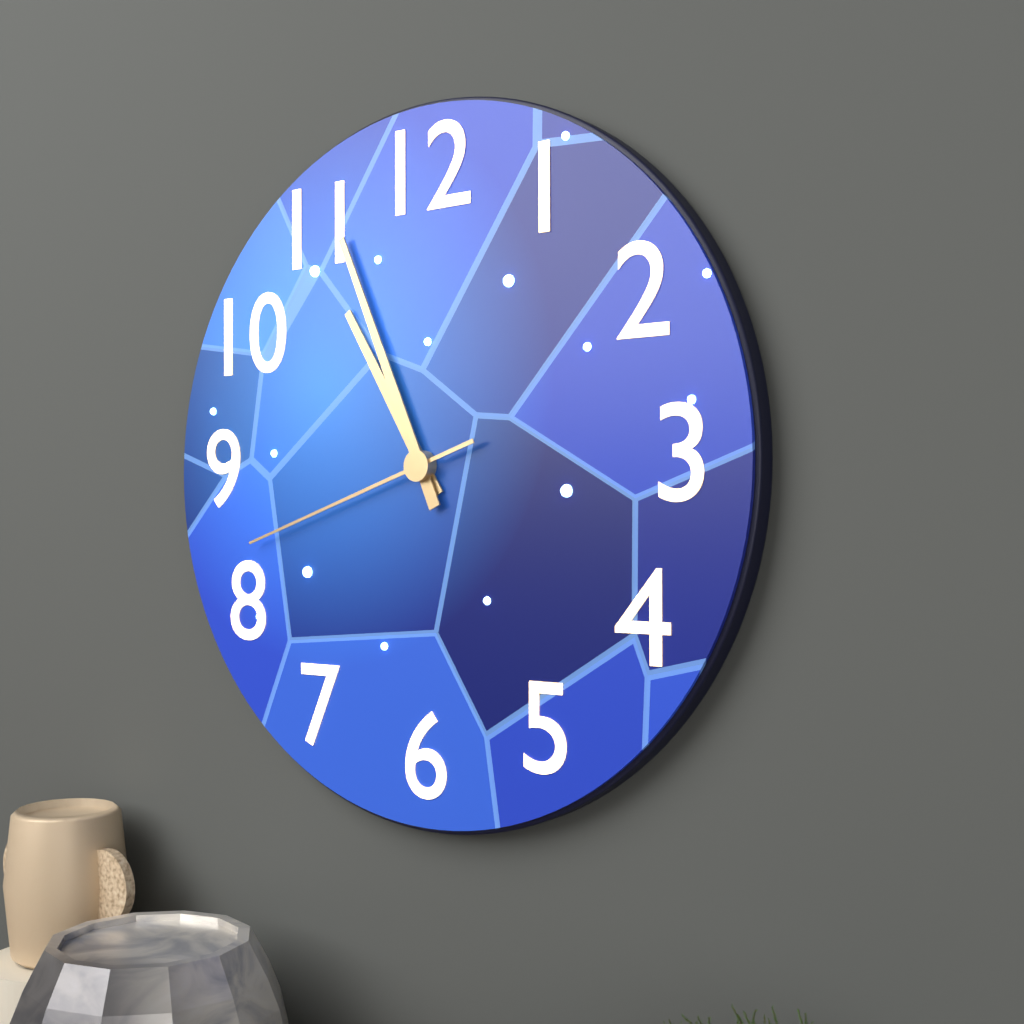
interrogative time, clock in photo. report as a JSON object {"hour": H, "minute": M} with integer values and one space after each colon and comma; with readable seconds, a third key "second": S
{"hour": 10, "minute": 56, "second": 42}
